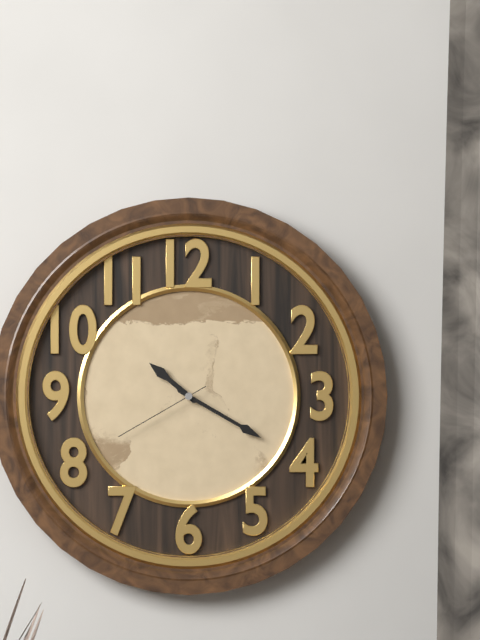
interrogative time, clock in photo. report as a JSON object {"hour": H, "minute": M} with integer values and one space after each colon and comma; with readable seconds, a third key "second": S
{"hour": 10, "minute": 20, "second": 40}
